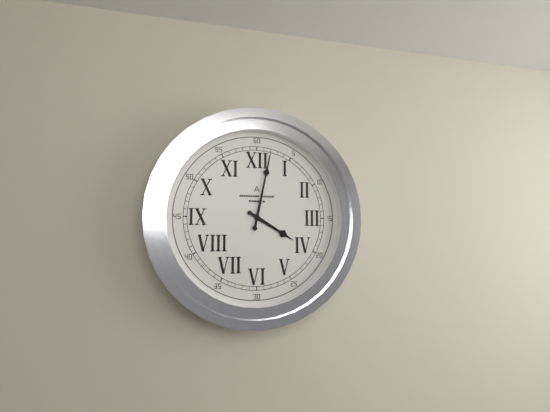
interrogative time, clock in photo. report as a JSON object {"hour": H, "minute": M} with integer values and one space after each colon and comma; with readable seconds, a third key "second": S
{"hour": 4, "minute": 2}
